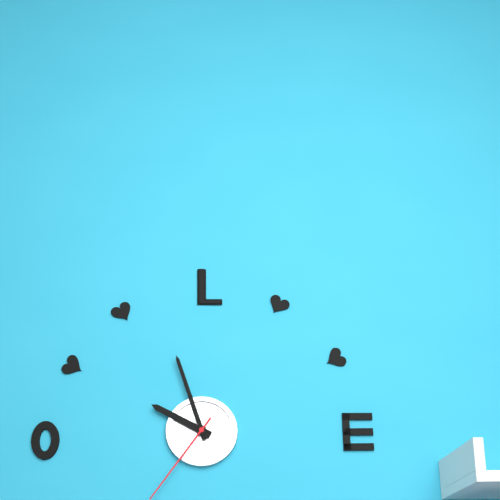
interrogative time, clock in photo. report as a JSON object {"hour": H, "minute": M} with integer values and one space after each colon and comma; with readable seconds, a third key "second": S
{"hour": 9, "minute": 57, "second": 36}
